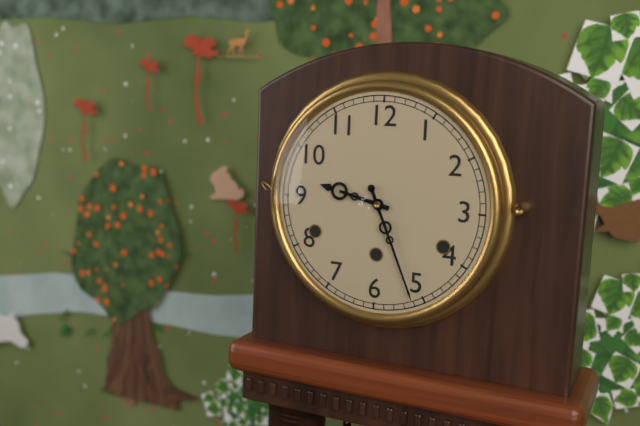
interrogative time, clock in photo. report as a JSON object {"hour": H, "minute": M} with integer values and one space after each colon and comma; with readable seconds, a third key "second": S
{"hour": 9, "minute": 26}
